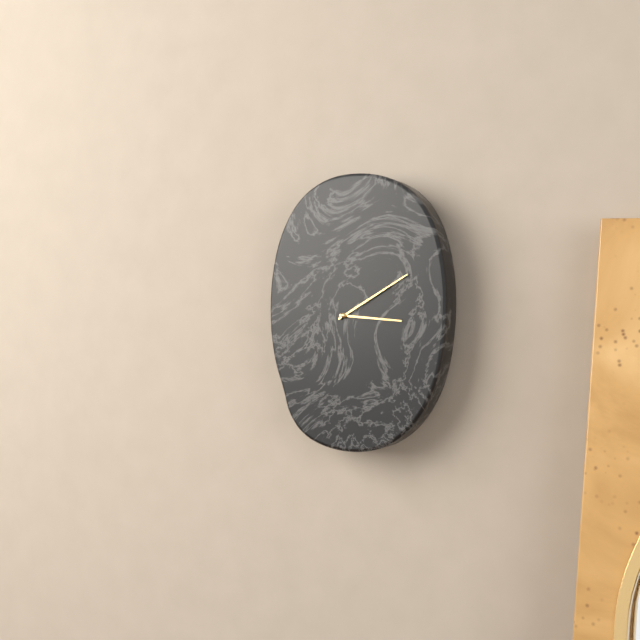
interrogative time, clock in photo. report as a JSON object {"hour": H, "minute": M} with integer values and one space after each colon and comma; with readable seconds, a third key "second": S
{"hour": 3, "minute": 10}
